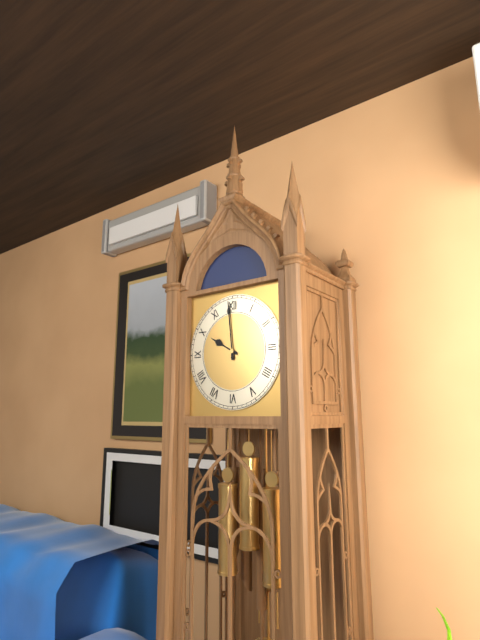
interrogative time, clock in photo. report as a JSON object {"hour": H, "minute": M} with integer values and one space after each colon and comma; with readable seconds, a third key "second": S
{"hour": 9, "minute": 59}
